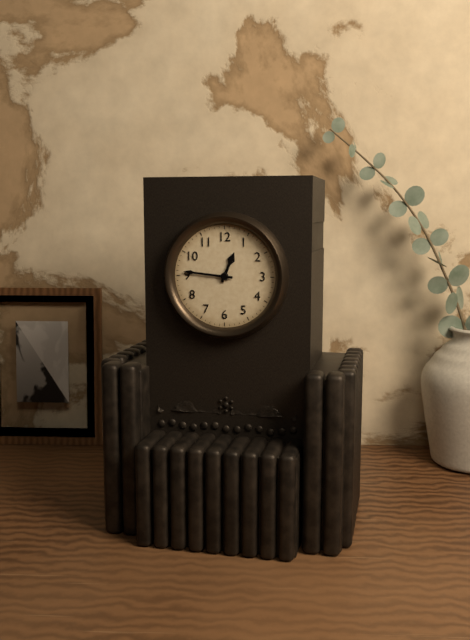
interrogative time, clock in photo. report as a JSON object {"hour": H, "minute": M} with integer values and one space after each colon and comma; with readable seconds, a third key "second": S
{"hour": 12, "minute": 46}
